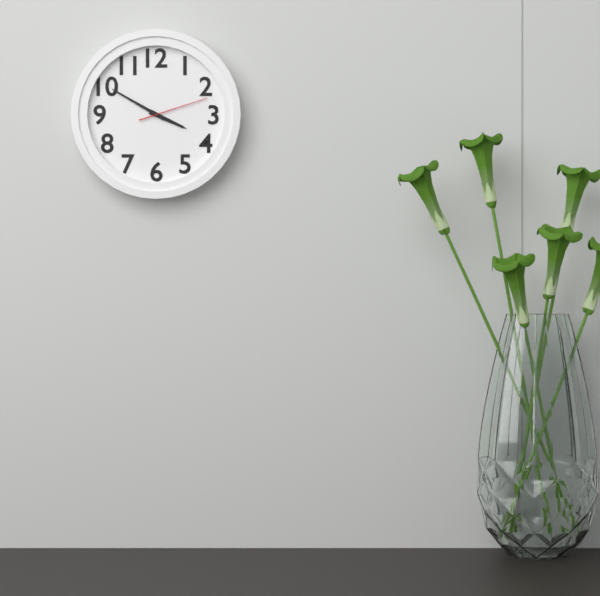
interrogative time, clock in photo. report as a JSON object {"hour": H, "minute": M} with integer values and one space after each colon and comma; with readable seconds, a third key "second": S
{"hour": 3, "minute": 50, "second": 12}
